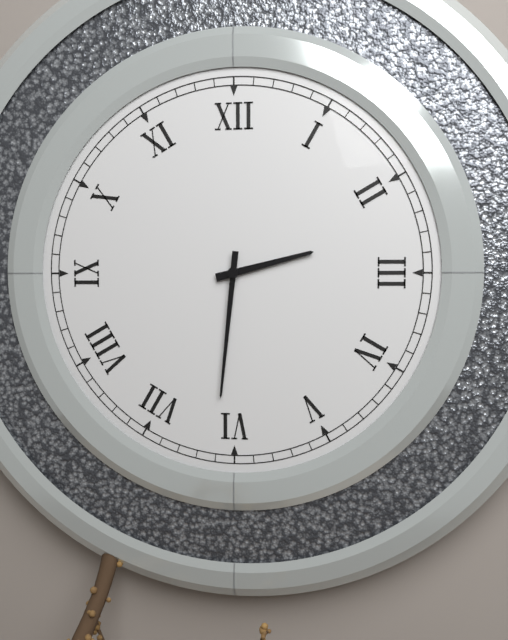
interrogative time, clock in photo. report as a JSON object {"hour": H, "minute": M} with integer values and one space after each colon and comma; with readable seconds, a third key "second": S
{"hour": 2, "minute": 31}
